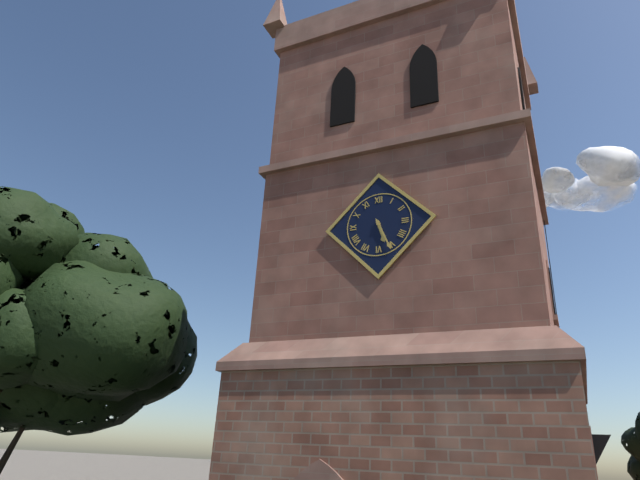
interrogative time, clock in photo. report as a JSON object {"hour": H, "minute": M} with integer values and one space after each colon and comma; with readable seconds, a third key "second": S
{"hour": 5, "minute": 26}
